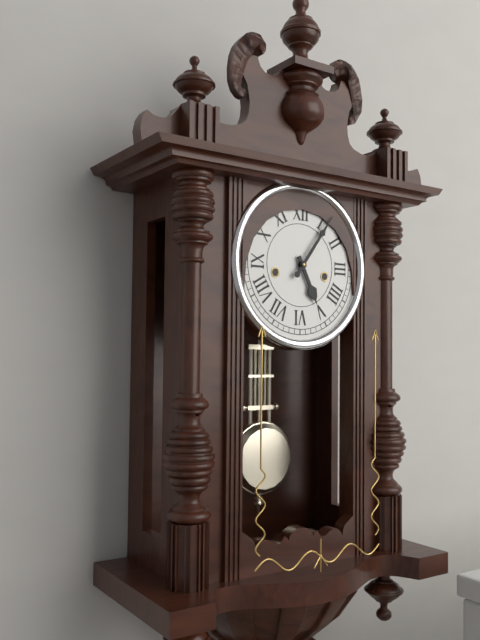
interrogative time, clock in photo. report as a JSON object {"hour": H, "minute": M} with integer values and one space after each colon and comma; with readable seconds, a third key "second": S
{"hour": 5, "minute": 6}
